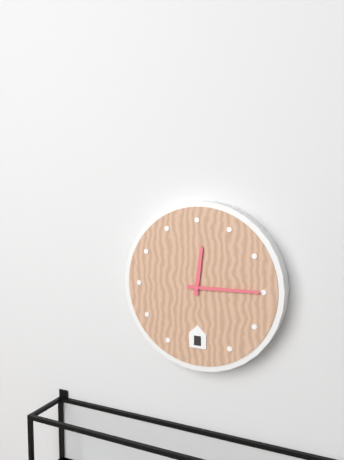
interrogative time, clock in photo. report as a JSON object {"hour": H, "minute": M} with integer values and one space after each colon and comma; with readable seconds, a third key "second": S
{"hour": 12, "minute": 15}
